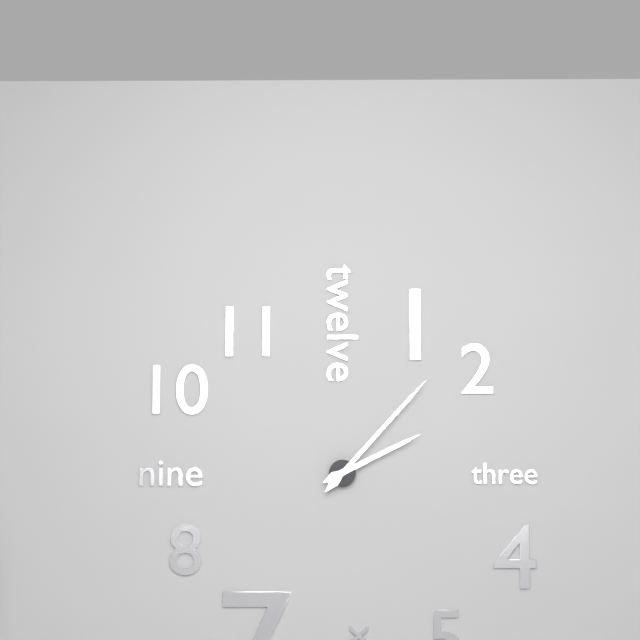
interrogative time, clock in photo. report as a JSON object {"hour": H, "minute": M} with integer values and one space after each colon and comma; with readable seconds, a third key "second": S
{"hour": 2, "minute": 7}
